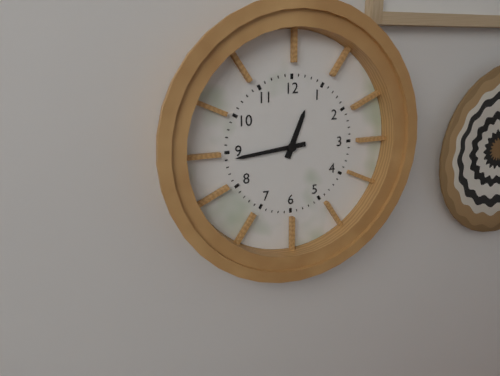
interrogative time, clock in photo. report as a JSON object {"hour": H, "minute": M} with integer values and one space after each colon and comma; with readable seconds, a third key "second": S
{"hour": 12, "minute": 44}
